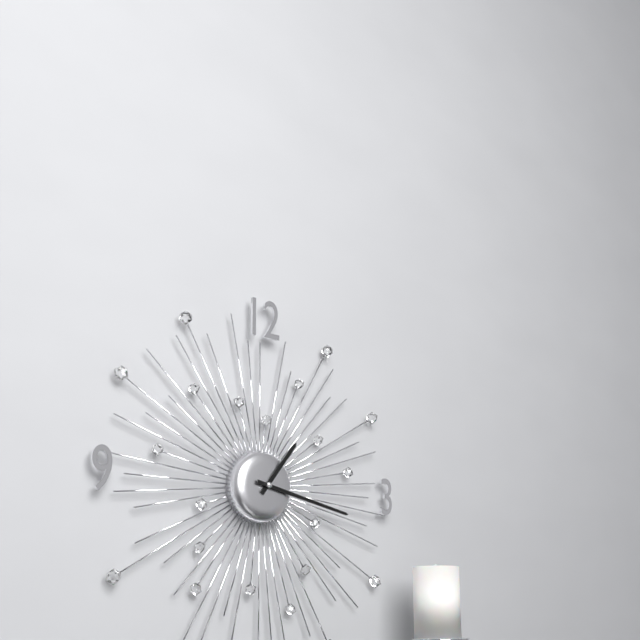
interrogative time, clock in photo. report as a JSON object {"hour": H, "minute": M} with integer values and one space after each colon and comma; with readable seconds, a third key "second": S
{"hour": 1, "minute": 17}
